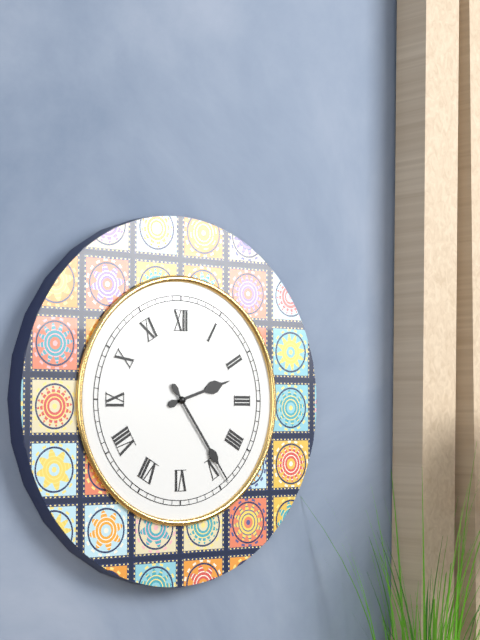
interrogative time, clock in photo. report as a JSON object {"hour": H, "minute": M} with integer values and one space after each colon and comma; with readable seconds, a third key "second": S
{"hour": 2, "minute": 24}
